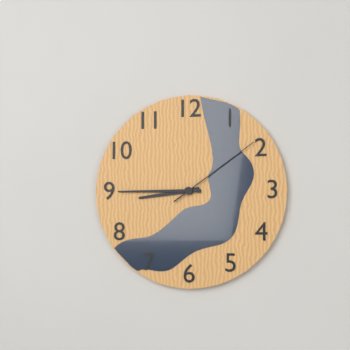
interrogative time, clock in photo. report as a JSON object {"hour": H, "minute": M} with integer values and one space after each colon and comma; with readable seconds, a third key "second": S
{"hour": 8, "minute": 45, "second": 9}
